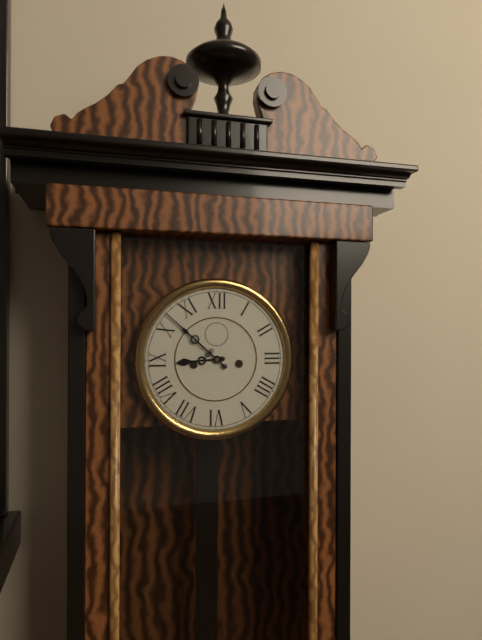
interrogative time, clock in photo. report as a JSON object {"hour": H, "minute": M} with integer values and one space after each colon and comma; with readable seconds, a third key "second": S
{"hour": 8, "minute": 52}
